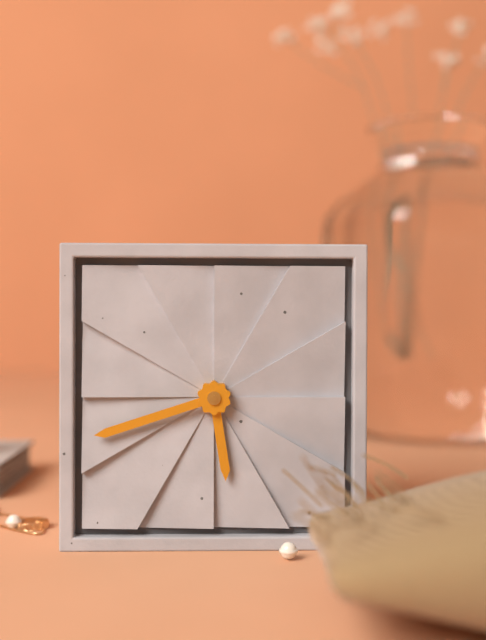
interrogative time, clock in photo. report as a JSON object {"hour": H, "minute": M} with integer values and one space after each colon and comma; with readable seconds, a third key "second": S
{"hour": 5, "minute": 42}
